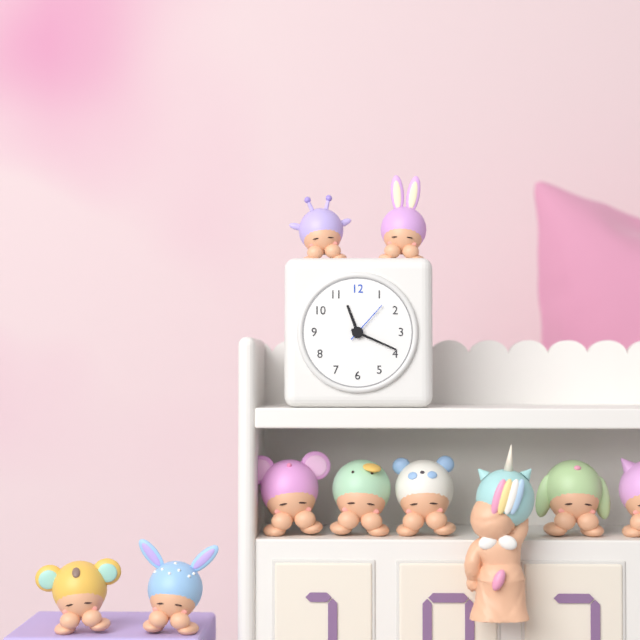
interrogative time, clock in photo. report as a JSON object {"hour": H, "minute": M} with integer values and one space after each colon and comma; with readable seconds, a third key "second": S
{"hour": 11, "minute": 19}
